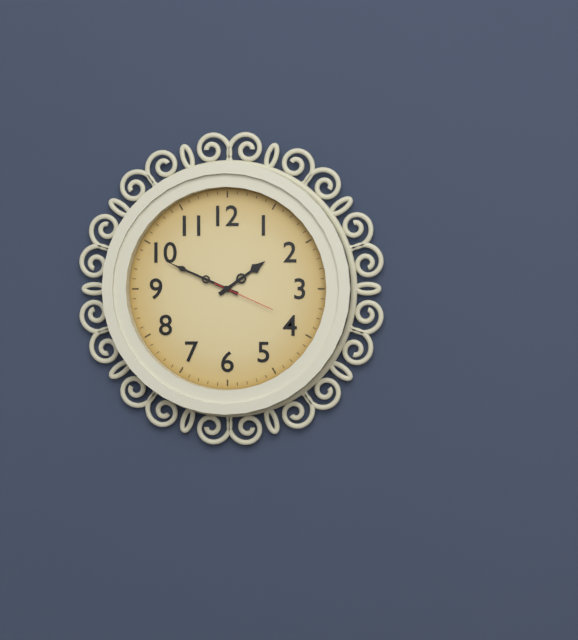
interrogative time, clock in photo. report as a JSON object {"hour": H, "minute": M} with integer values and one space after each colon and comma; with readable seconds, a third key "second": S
{"hour": 1, "minute": 49, "second": 19}
